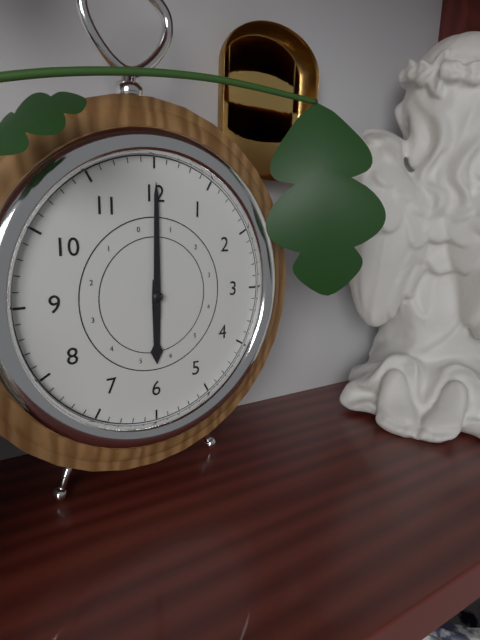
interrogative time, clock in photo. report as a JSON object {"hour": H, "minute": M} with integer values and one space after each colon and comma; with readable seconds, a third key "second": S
{"hour": 6, "minute": 0}
